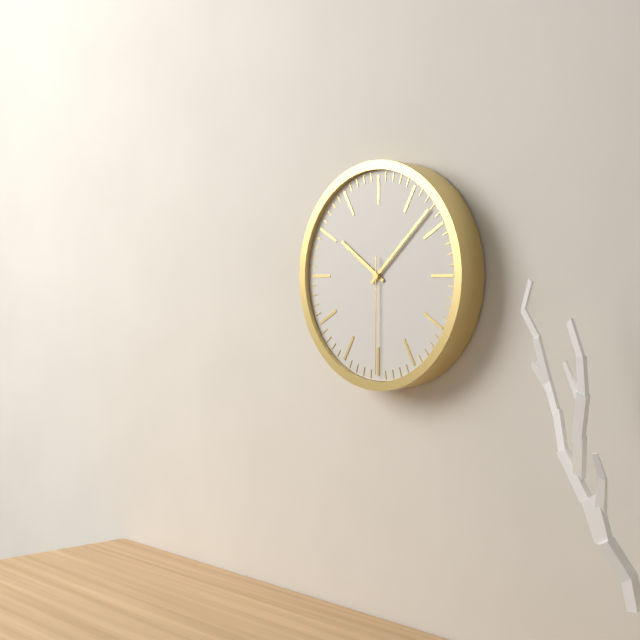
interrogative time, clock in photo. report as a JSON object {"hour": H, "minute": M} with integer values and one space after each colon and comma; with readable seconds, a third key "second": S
{"hour": 10, "minute": 8, "second": 30}
